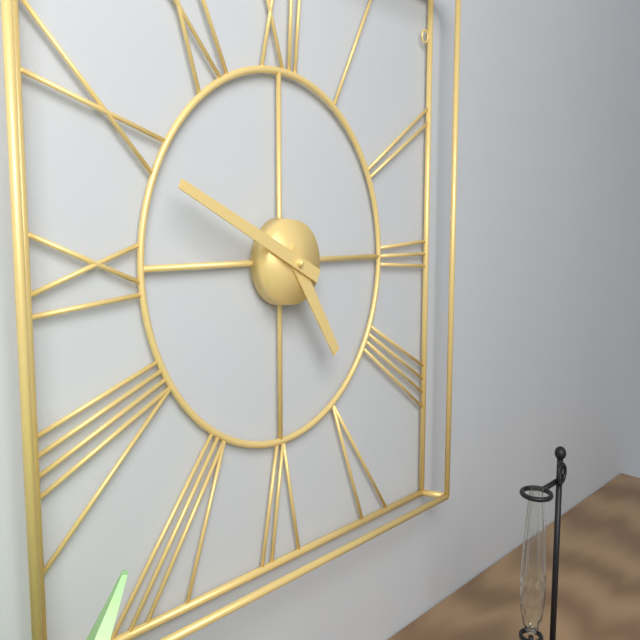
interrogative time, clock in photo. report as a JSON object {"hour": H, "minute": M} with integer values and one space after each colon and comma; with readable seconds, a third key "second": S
{"hour": 4, "minute": 49}
